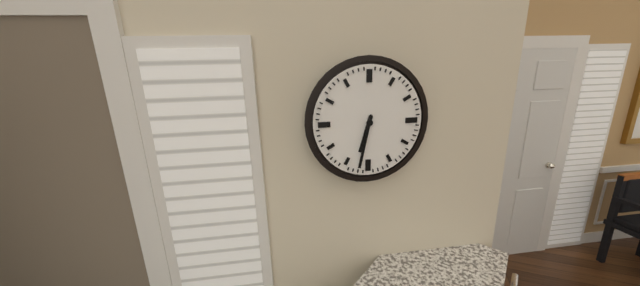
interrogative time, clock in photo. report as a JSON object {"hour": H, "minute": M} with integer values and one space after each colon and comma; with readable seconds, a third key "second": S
{"hour": 6, "minute": 32}
